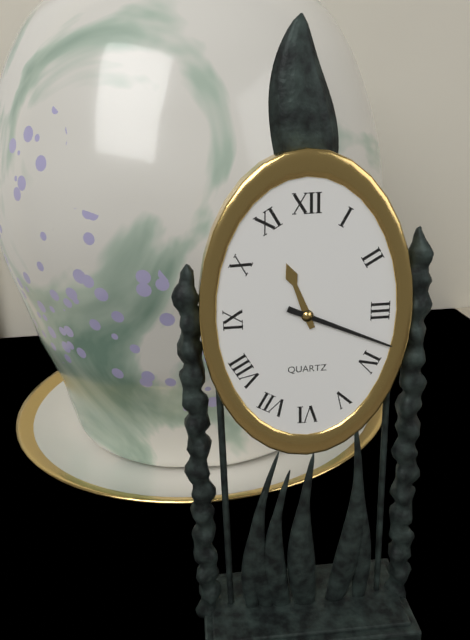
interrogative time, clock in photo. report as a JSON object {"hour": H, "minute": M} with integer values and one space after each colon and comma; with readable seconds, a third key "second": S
{"hour": 11, "minute": 19}
